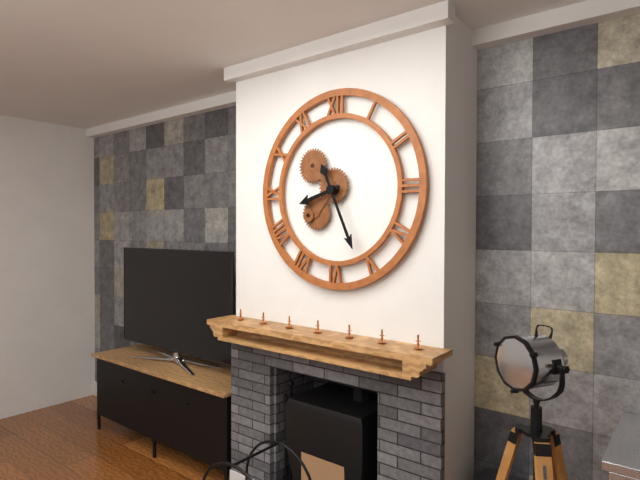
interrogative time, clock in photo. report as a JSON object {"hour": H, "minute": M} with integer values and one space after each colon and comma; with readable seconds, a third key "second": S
{"hour": 8, "minute": 26}
